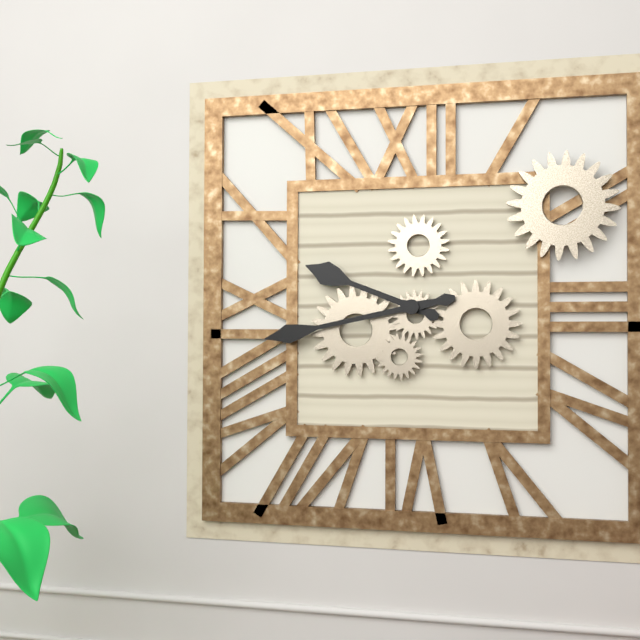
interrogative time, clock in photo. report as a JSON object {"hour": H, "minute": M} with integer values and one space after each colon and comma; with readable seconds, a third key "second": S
{"hour": 9, "minute": 43}
